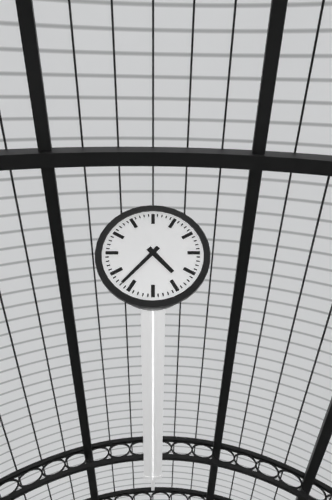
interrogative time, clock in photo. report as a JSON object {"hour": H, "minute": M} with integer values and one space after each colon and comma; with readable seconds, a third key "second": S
{"hour": 4, "minute": 37}
